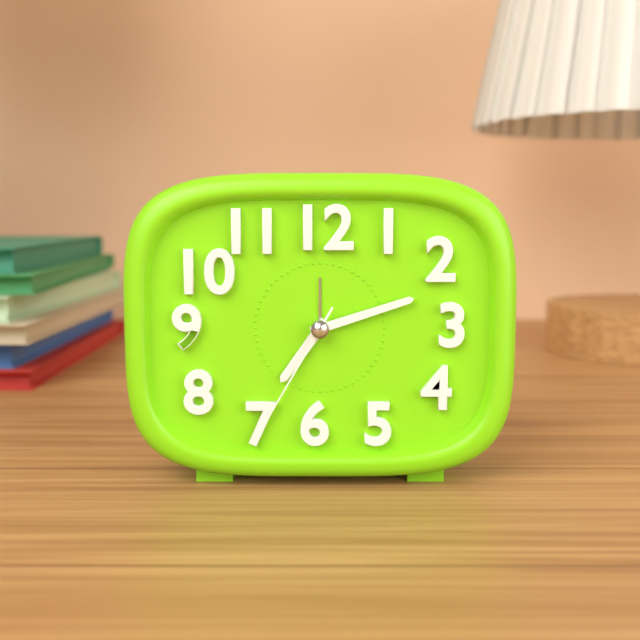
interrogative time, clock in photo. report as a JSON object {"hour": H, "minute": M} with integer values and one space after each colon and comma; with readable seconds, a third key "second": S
{"hour": 7, "minute": 12, "second": 35}
